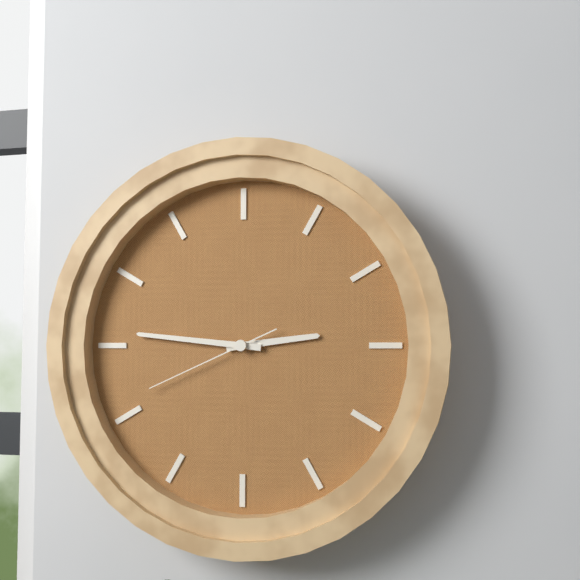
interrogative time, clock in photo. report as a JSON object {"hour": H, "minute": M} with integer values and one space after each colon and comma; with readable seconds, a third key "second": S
{"hour": 2, "minute": 46, "second": 41}
